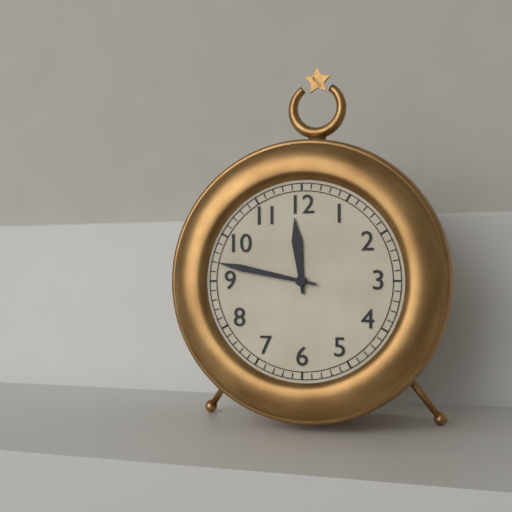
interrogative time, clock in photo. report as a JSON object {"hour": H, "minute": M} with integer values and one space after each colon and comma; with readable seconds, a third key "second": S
{"hour": 11, "minute": 47}
